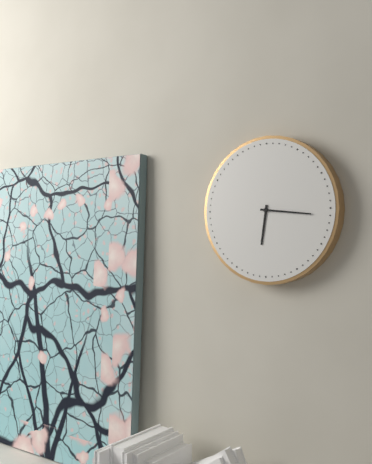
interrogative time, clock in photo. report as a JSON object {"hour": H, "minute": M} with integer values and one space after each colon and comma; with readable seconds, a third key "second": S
{"hour": 6, "minute": 16}
